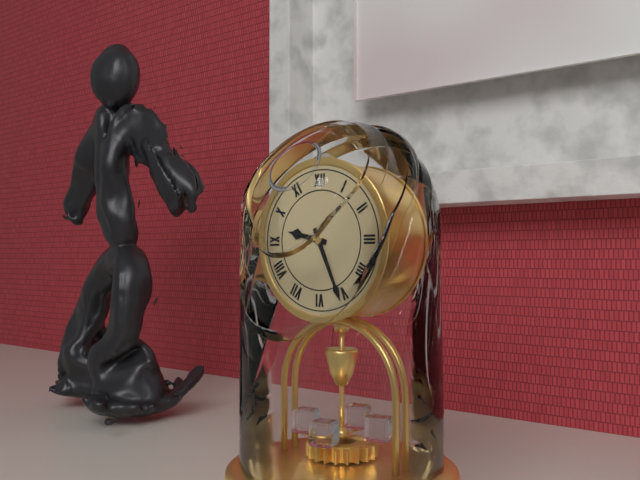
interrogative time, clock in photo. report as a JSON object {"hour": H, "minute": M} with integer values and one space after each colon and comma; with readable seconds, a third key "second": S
{"hour": 9, "minute": 26}
